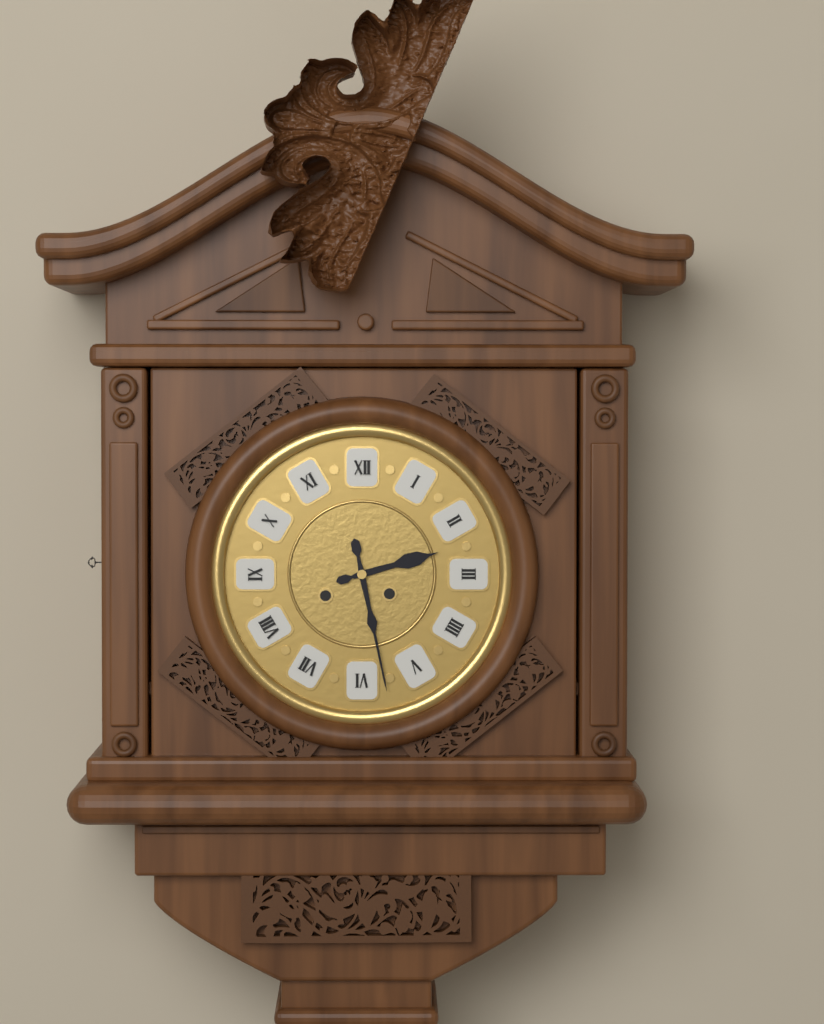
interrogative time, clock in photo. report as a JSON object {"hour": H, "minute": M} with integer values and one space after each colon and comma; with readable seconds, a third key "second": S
{"hour": 2, "minute": 28}
